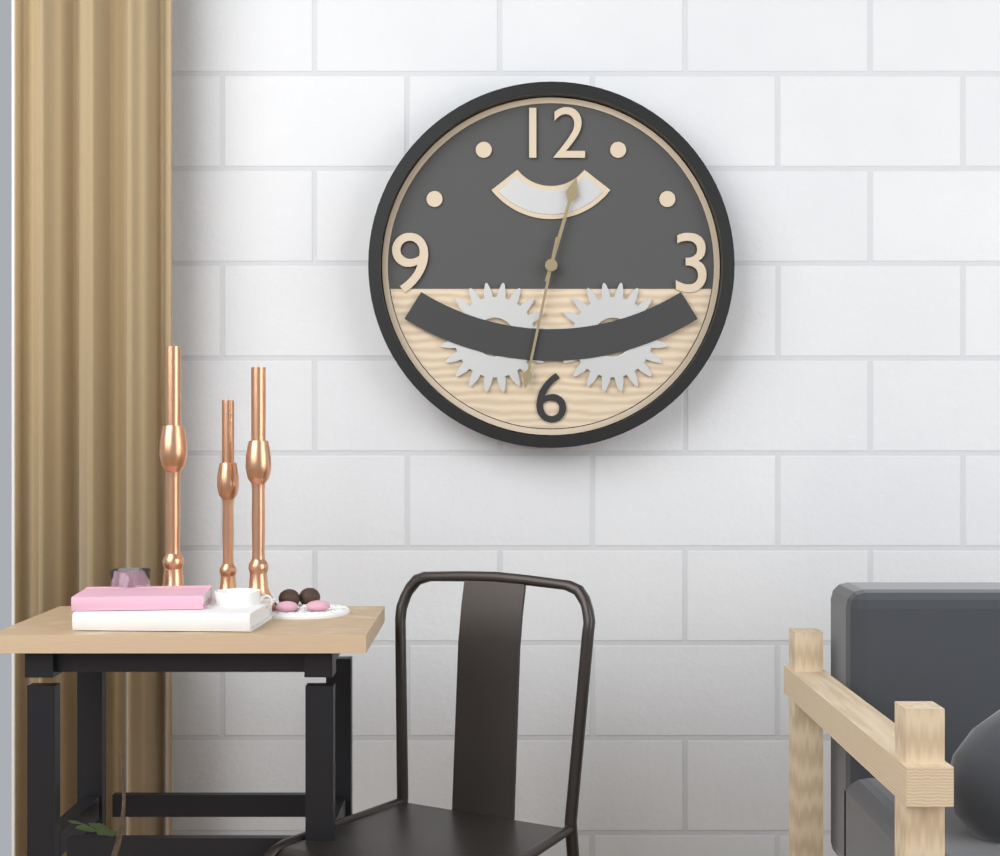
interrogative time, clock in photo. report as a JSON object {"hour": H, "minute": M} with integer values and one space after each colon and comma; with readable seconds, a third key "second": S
{"hour": 12, "minute": 32}
